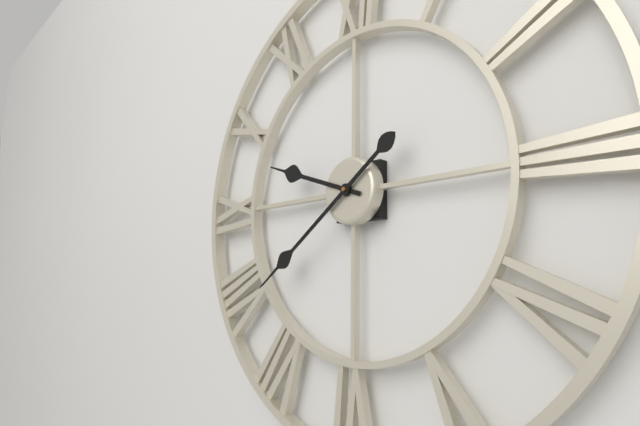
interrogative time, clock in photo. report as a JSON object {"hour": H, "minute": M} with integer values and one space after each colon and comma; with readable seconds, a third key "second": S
{"hour": 9, "minute": 39}
